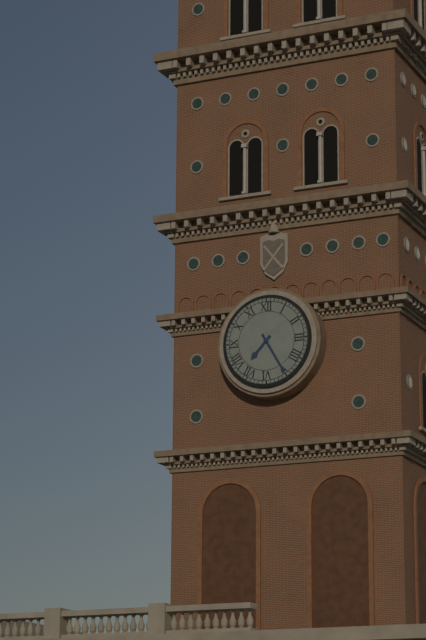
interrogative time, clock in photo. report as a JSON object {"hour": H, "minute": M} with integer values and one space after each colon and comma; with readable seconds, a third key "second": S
{"hour": 7, "minute": 25}
